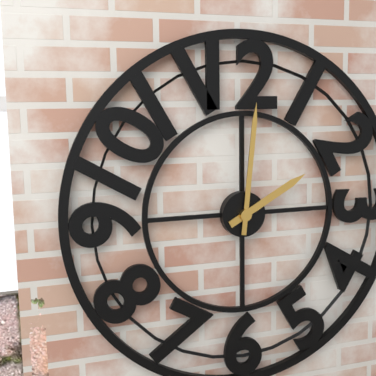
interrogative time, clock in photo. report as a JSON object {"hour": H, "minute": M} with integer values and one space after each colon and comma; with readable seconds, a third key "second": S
{"hour": 2, "minute": 1}
